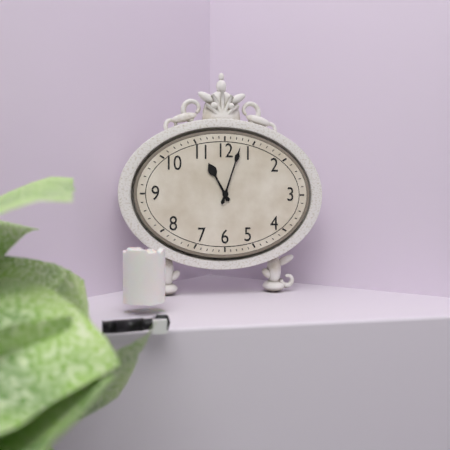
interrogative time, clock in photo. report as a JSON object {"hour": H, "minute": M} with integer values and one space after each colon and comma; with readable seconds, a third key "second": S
{"hour": 11, "minute": 3}
